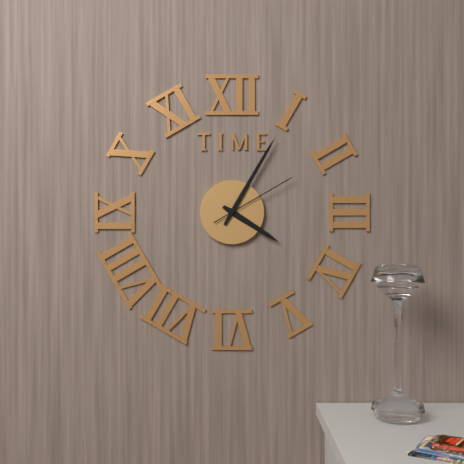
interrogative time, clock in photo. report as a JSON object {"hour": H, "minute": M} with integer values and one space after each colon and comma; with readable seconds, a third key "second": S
{"hour": 4, "minute": 5, "second": 10}
